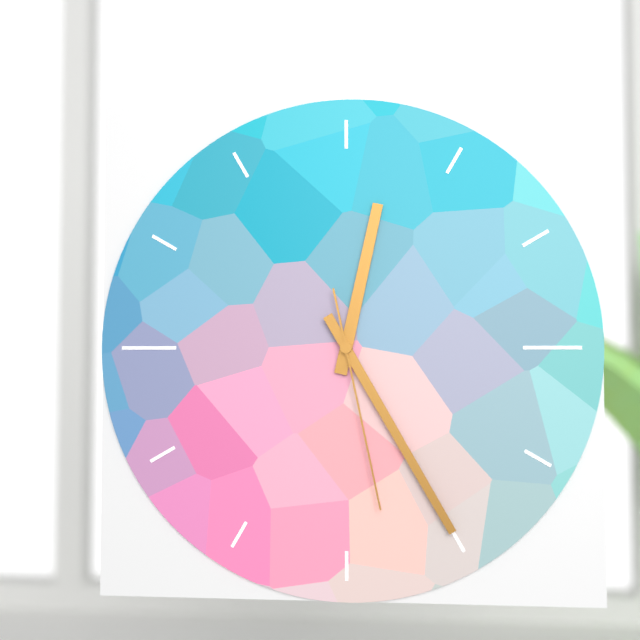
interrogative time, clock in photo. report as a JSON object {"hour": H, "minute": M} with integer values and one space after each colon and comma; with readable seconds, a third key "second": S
{"hour": 12, "minute": 25, "second": 28}
